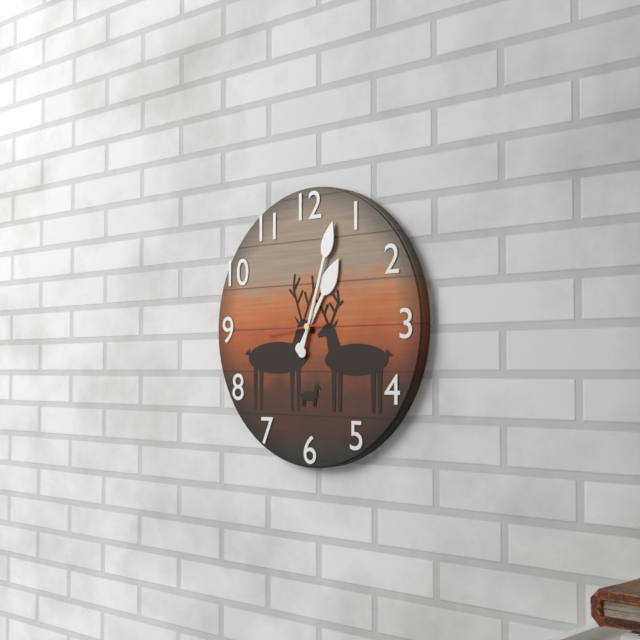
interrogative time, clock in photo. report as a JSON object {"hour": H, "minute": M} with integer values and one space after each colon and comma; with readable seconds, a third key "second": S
{"hour": 1, "minute": 3, "second": 44}
